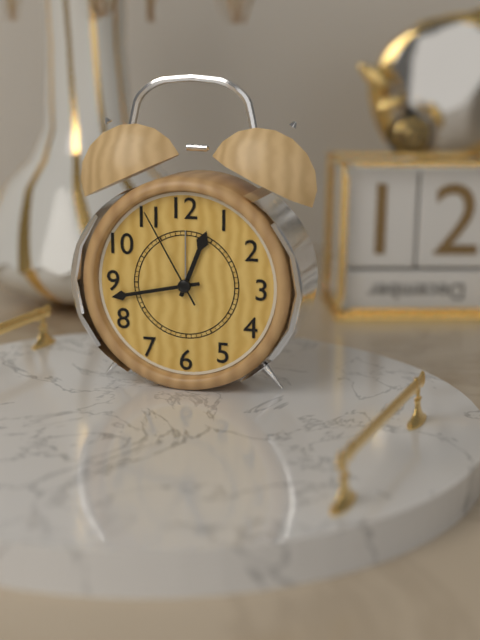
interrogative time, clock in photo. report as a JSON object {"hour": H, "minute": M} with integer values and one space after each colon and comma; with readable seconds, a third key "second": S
{"hour": 12, "minute": 43, "second": 55}
